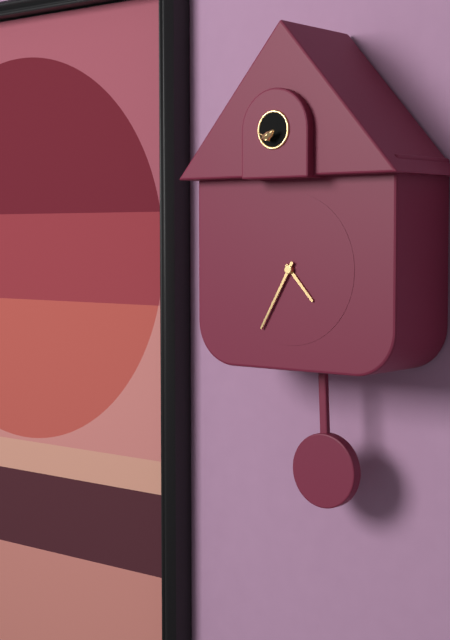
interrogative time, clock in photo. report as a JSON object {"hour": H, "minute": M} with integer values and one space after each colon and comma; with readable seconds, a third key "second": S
{"hour": 4, "minute": 35}
